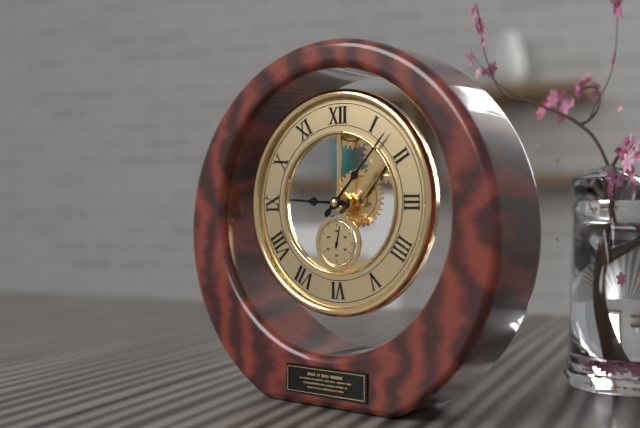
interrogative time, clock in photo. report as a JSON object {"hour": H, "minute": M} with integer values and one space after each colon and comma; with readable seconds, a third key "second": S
{"hour": 9, "minute": 7}
